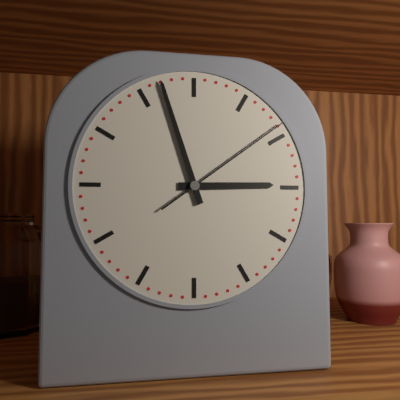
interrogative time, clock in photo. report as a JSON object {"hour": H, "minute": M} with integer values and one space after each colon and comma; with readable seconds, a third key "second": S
{"hour": 2, "minute": 57, "second": 9}
